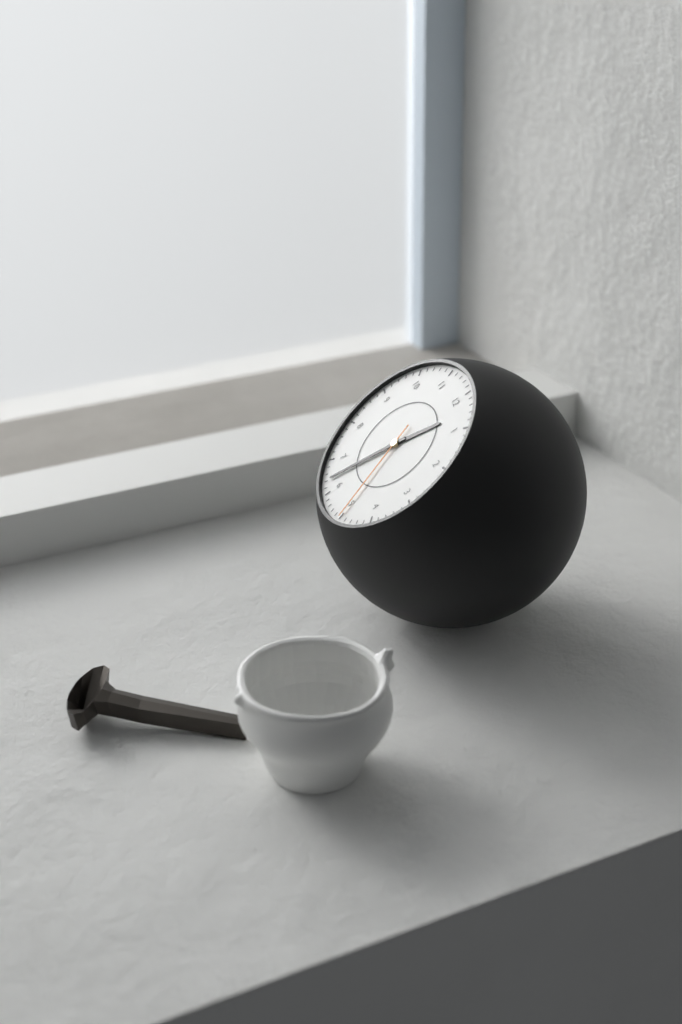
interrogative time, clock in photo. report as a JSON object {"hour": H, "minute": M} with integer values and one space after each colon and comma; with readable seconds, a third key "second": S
{"hour": 12, "minute": 32, "second": 25}
